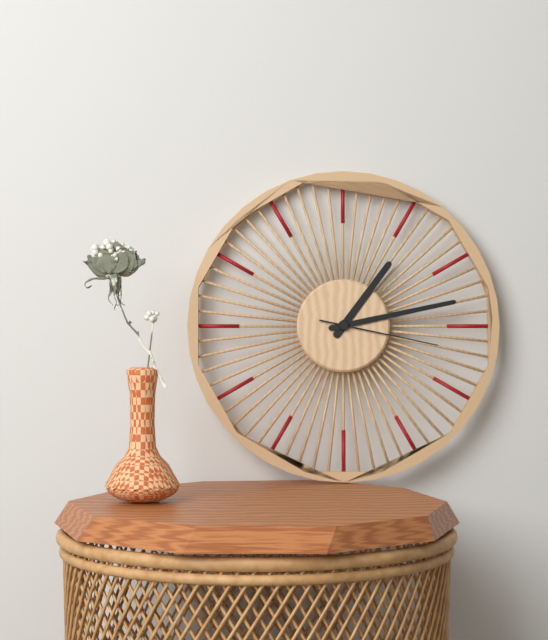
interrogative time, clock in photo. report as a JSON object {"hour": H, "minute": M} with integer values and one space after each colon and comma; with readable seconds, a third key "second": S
{"hour": 1, "minute": 13, "second": 17}
